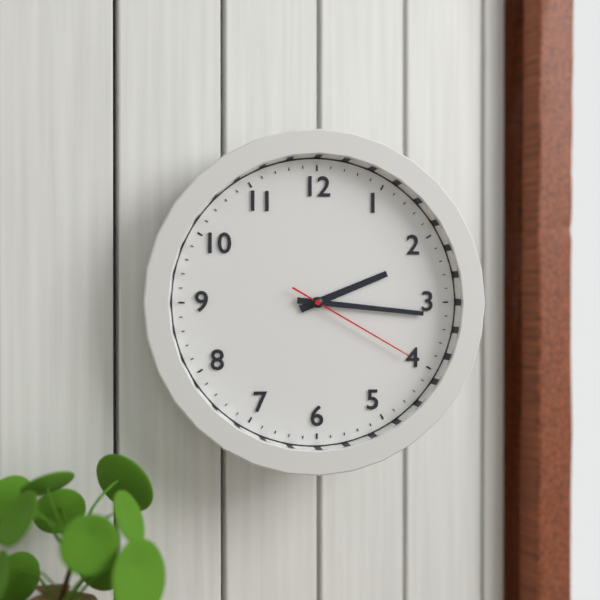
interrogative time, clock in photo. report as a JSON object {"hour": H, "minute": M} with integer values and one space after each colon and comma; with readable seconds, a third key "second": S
{"hour": 2, "minute": 16, "second": 20}
